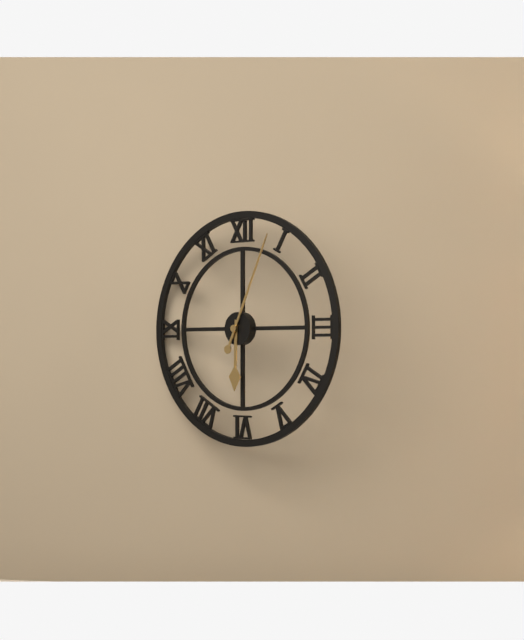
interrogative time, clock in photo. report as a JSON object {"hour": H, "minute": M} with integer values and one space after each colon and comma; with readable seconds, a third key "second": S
{"hour": 6, "minute": 4}
